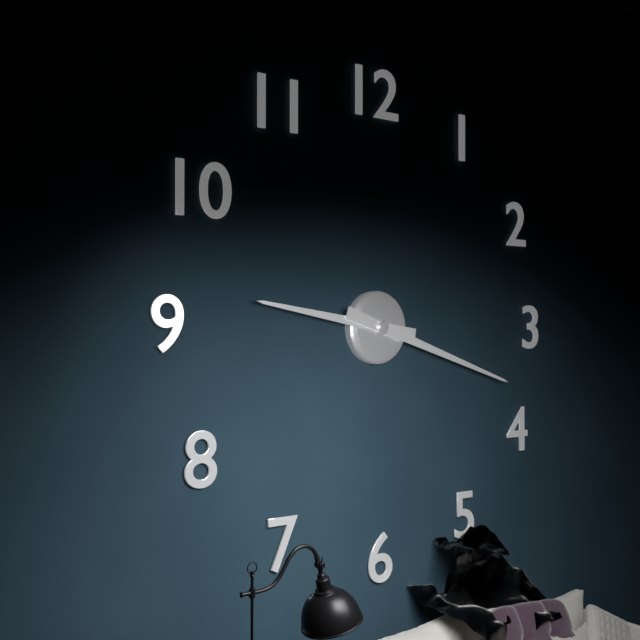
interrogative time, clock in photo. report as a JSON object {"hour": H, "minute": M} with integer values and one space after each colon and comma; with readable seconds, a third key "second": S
{"hour": 9, "minute": 18}
